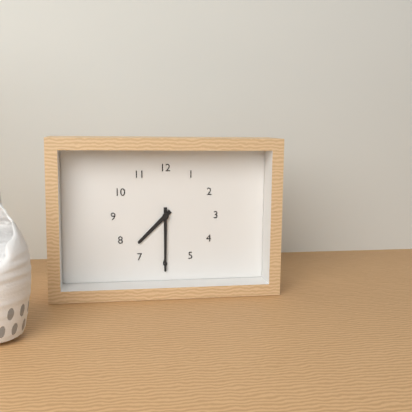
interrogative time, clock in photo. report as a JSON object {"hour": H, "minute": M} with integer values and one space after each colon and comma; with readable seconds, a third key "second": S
{"hour": 7, "minute": 30}
